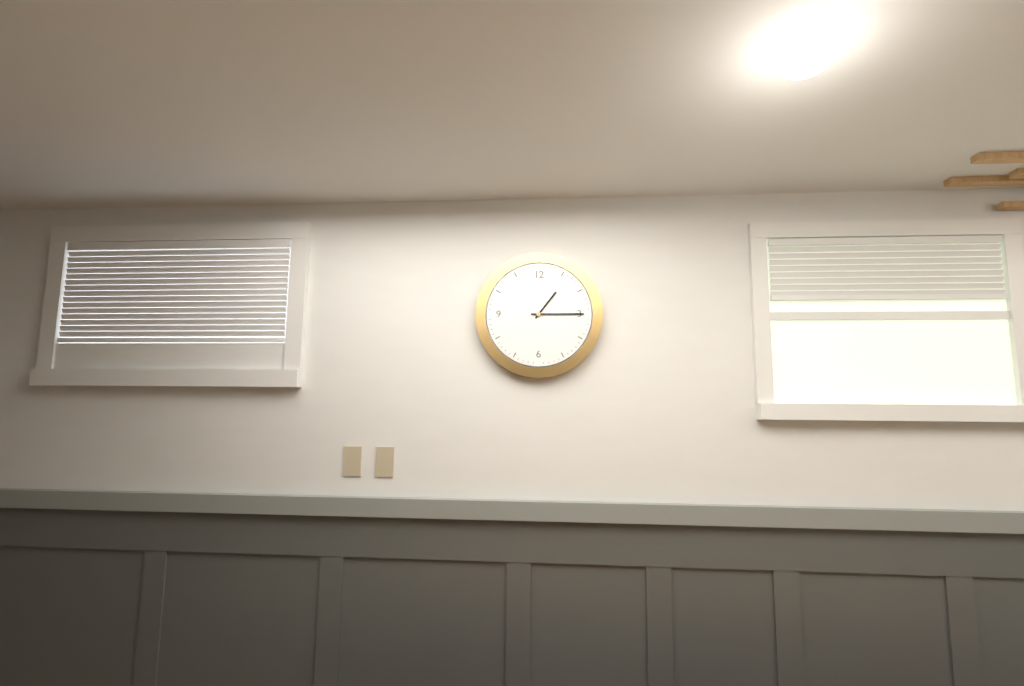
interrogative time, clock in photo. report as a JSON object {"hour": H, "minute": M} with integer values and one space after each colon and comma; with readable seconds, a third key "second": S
{"hour": 1, "minute": 15}
